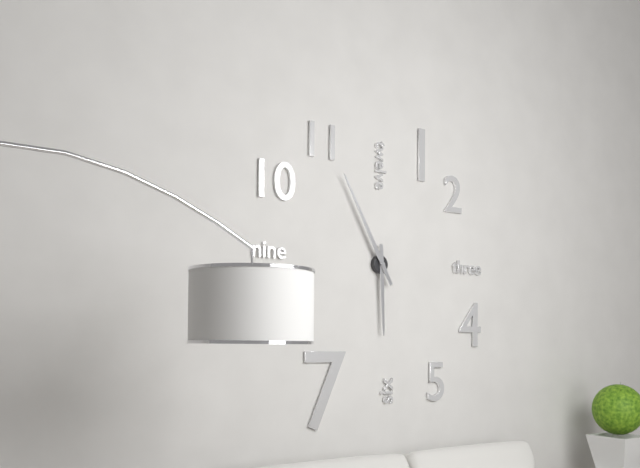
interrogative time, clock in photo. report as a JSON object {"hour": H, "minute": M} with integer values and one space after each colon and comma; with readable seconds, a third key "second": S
{"hour": 5, "minute": 55}
